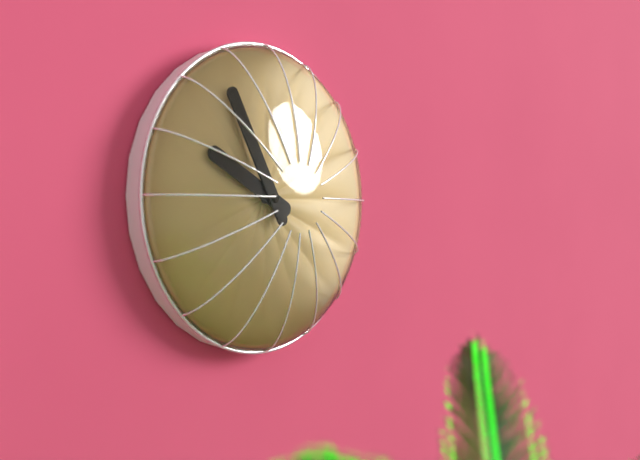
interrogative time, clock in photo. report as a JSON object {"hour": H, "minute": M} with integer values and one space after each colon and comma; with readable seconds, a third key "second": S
{"hour": 9, "minute": 55}
